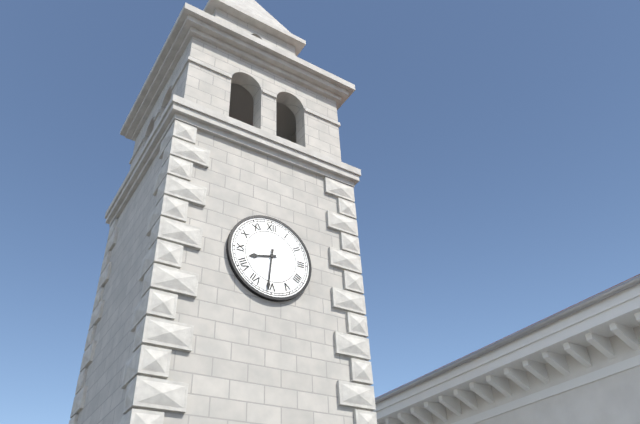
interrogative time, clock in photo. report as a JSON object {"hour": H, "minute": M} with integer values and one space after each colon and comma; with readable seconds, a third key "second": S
{"hour": 8, "minute": 31}
